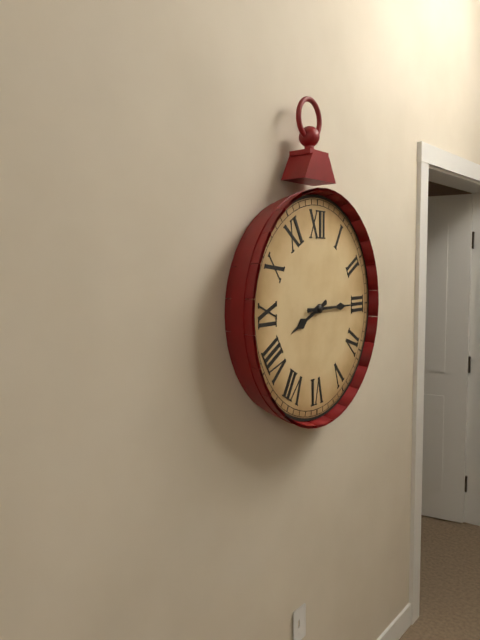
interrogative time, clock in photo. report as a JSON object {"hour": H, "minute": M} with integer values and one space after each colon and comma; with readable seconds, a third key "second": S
{"hour": 8, "minute": 15}
